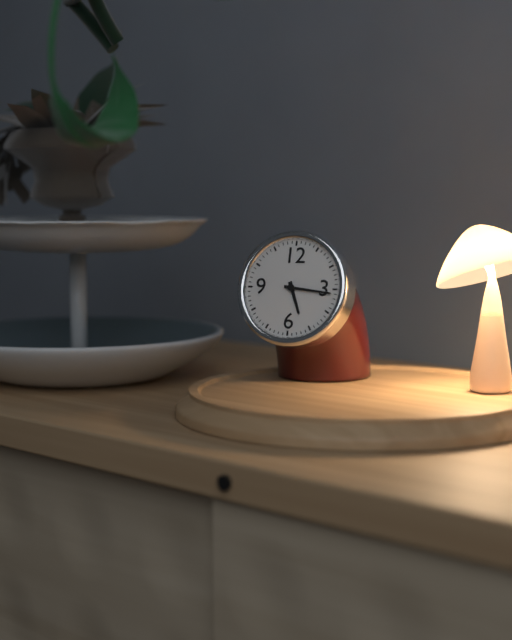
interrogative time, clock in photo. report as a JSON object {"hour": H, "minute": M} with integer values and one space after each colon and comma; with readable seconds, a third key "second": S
{"hour": 5, "minute": 16}
